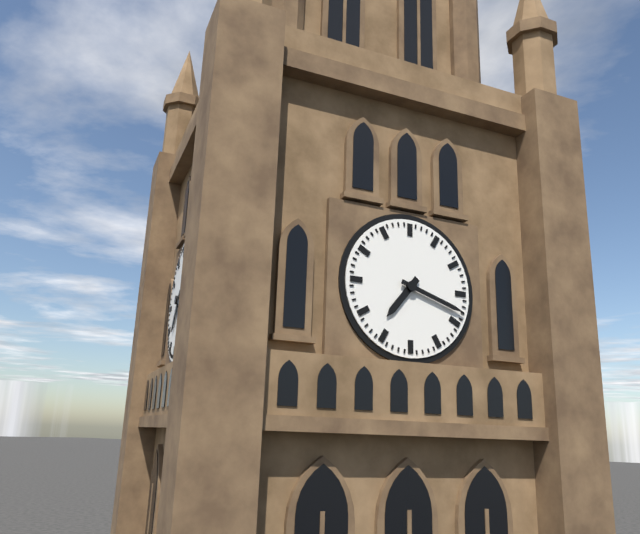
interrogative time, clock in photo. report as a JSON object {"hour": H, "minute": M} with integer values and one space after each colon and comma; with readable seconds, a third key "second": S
{"hour": 7, "minute": 18}
